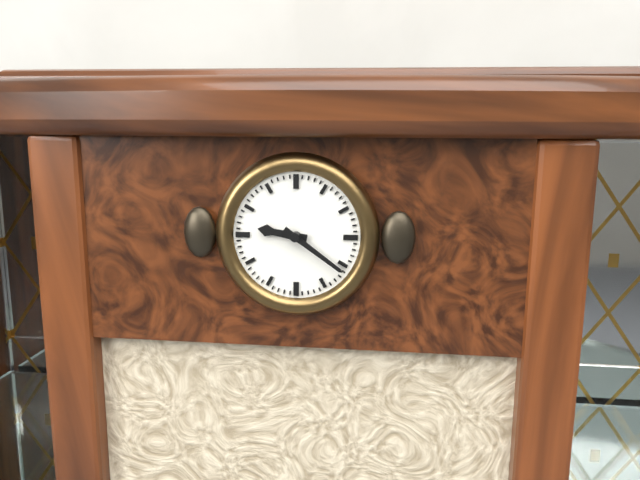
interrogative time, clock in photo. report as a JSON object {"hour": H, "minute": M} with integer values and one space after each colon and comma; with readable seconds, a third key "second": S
{"hour": 9, "minute": 21}
